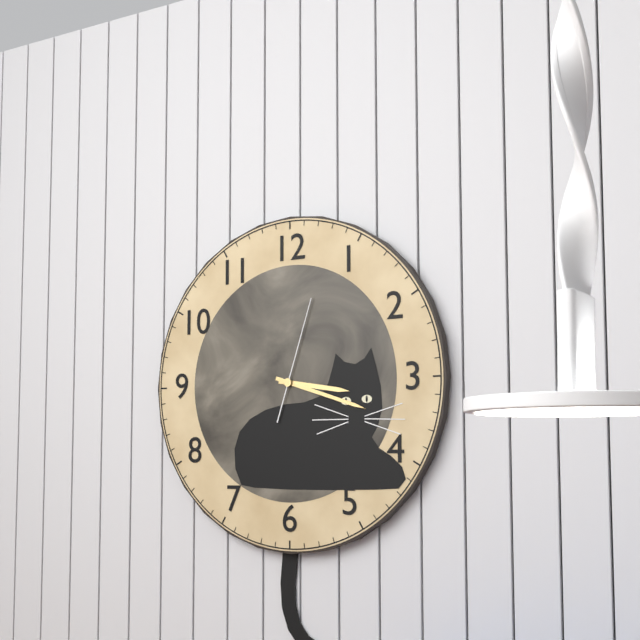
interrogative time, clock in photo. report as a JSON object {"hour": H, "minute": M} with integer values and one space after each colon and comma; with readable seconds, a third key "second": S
{"hour": 3, "minute": 18, "second": 3}
